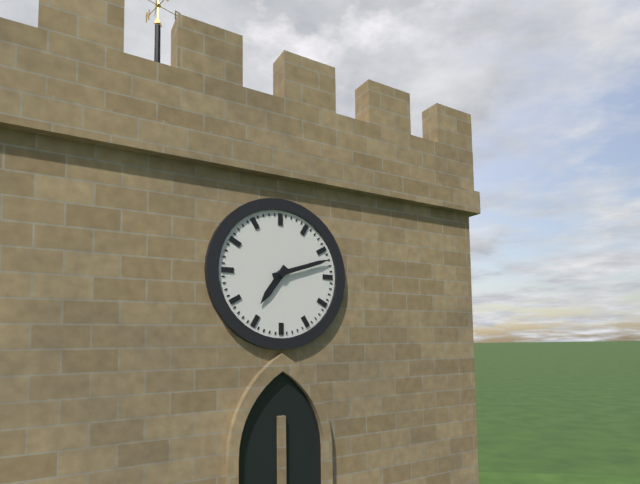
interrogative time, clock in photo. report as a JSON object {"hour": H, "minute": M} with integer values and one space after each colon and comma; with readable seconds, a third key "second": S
{"hour": 7, "minute": 12}
